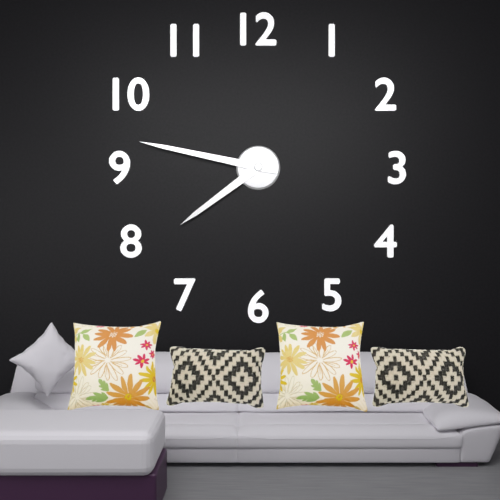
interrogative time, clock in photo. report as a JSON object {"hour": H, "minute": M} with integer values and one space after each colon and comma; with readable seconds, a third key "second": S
{"hour": 7, "minute": 47}
